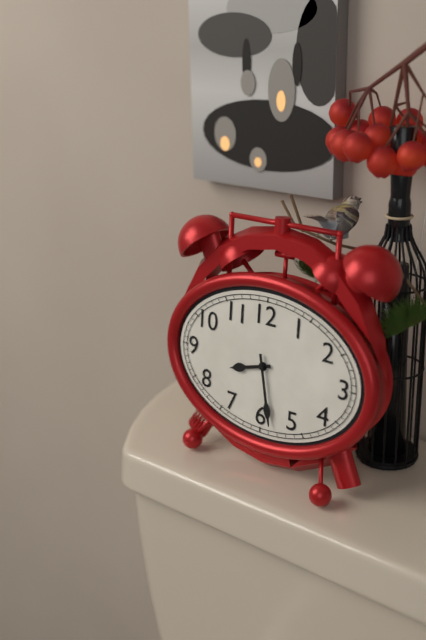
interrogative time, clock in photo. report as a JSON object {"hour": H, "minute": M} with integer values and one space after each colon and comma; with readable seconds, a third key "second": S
{"hour": 8, "minute": 28}
